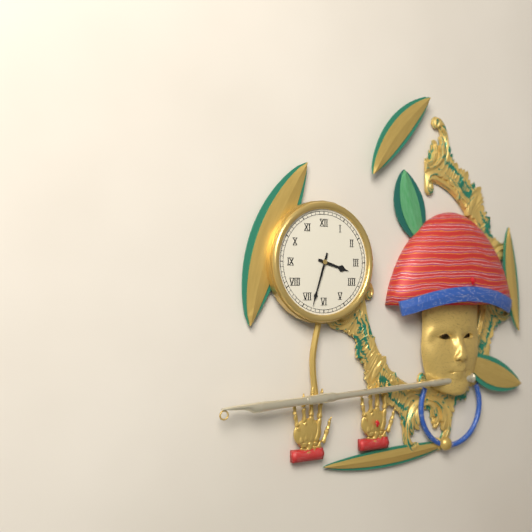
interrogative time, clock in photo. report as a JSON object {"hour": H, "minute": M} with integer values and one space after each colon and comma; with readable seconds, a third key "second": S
{"hour": 3, "minute": 33}
